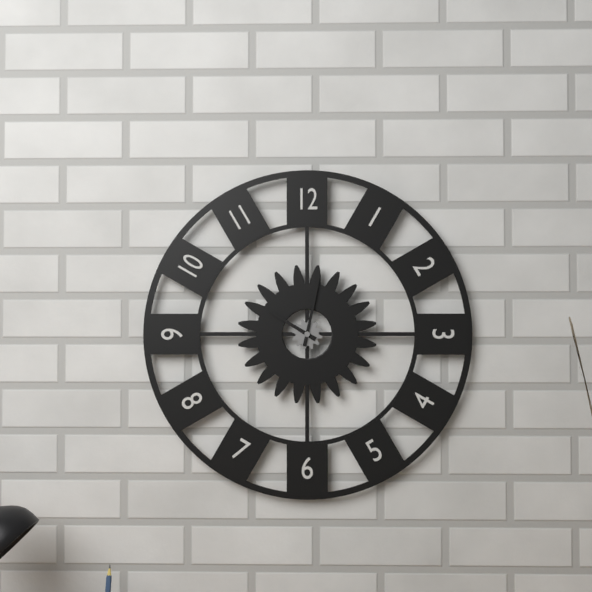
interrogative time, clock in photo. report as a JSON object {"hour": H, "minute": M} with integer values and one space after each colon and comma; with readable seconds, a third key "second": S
{"hour": 10, "minute": 2}
